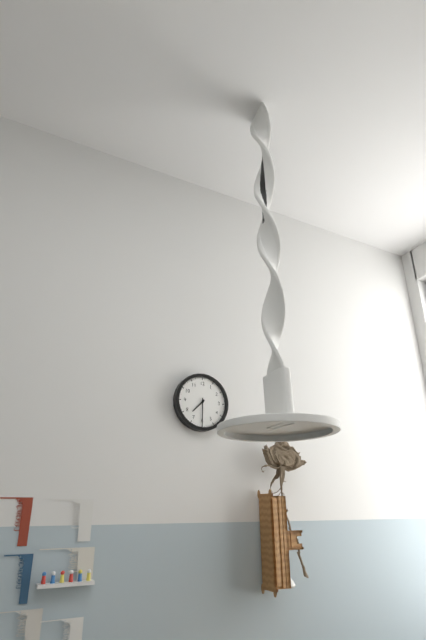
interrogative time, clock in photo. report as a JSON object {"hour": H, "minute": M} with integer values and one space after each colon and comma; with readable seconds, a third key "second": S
{"hour": 7, "minute": 30}
